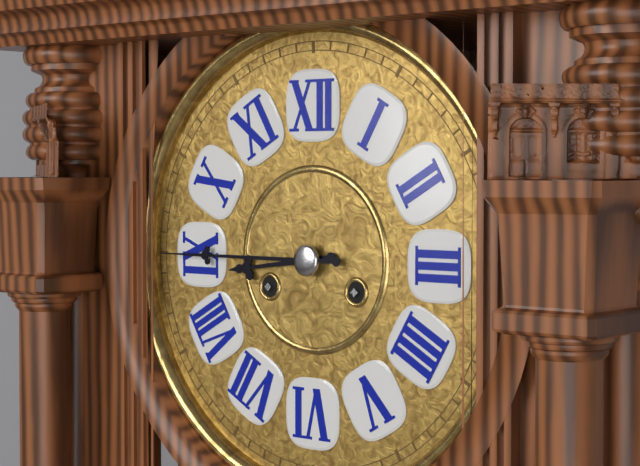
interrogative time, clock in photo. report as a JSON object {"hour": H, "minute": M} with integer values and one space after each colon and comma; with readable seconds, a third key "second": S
{"hour": 8, "minute": 45}
